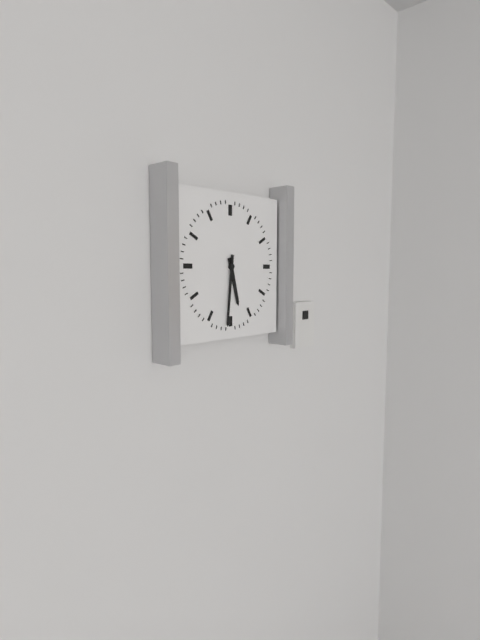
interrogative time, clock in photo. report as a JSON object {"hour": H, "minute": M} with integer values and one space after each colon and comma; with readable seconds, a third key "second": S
{"hour": 5, "minute": 31}
